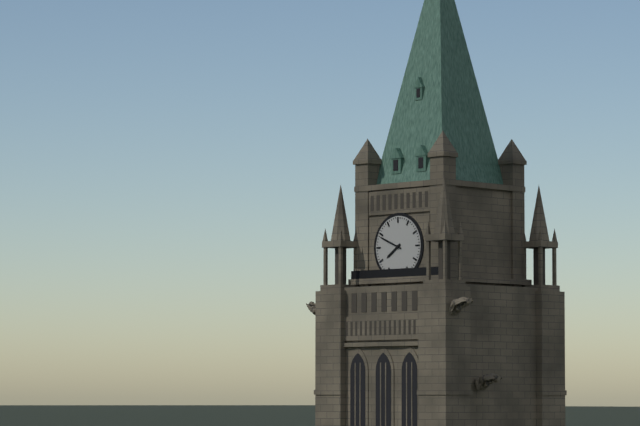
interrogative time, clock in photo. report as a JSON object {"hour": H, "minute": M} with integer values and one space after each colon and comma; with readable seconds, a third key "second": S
{"hour": 7, "minute": 49}
